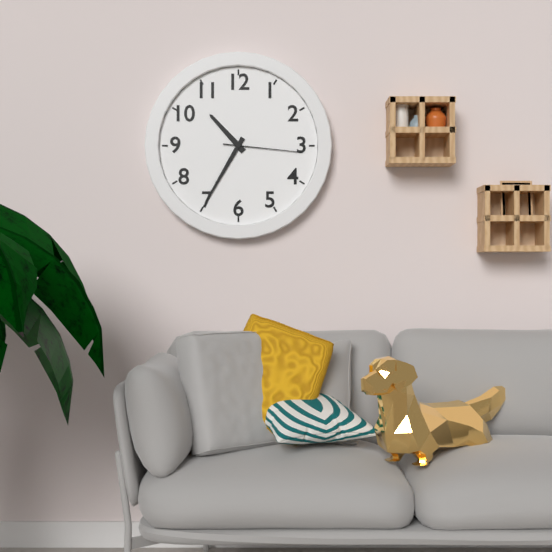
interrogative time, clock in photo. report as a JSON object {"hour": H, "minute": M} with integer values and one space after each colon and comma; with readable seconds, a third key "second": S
{"hour": 10, "minute": 35, "second": 16}
